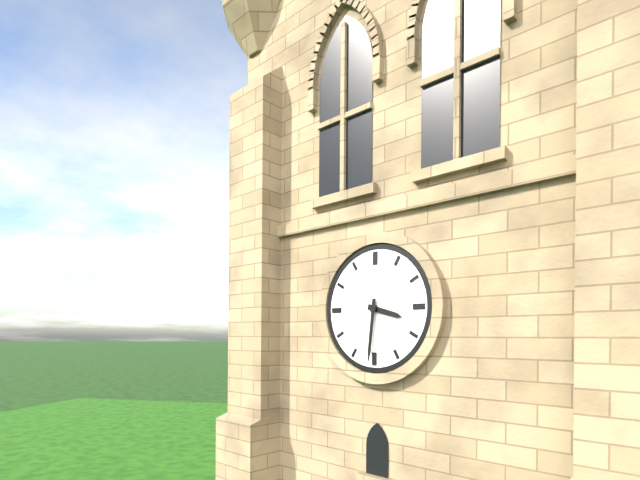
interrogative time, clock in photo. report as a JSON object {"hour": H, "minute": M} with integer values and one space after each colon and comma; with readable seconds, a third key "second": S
{"hour": 3, "minute": 31}
